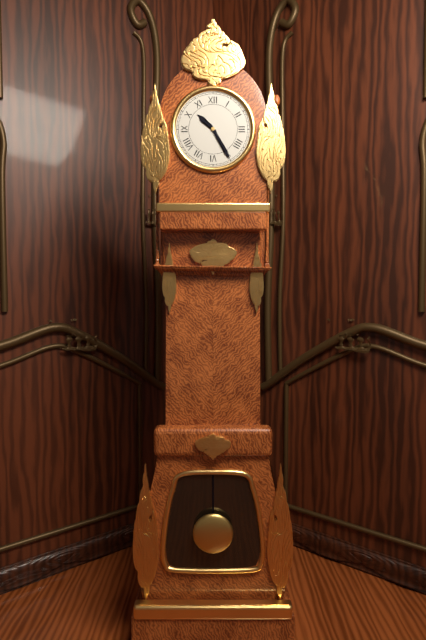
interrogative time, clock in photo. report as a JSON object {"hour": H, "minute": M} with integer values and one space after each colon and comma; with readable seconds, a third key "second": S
{"hour": 10, "minute": 25}
